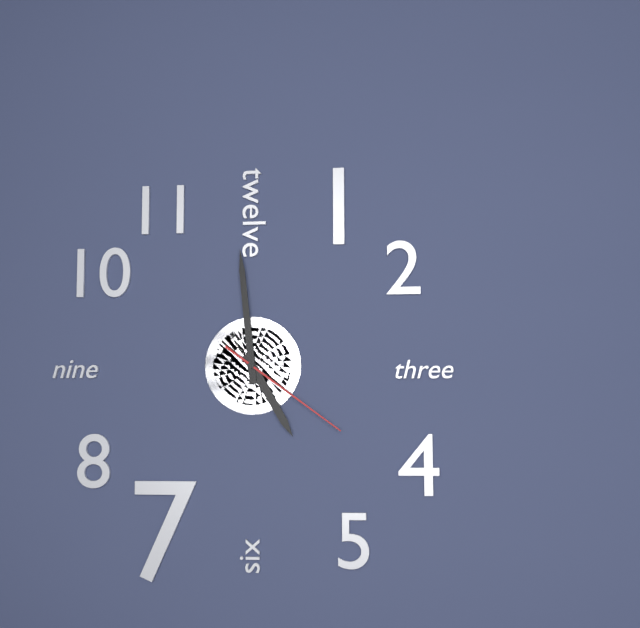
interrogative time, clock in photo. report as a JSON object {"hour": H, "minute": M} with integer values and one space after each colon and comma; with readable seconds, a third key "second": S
{"hour": 4, "minute": 59, "second": 21}
